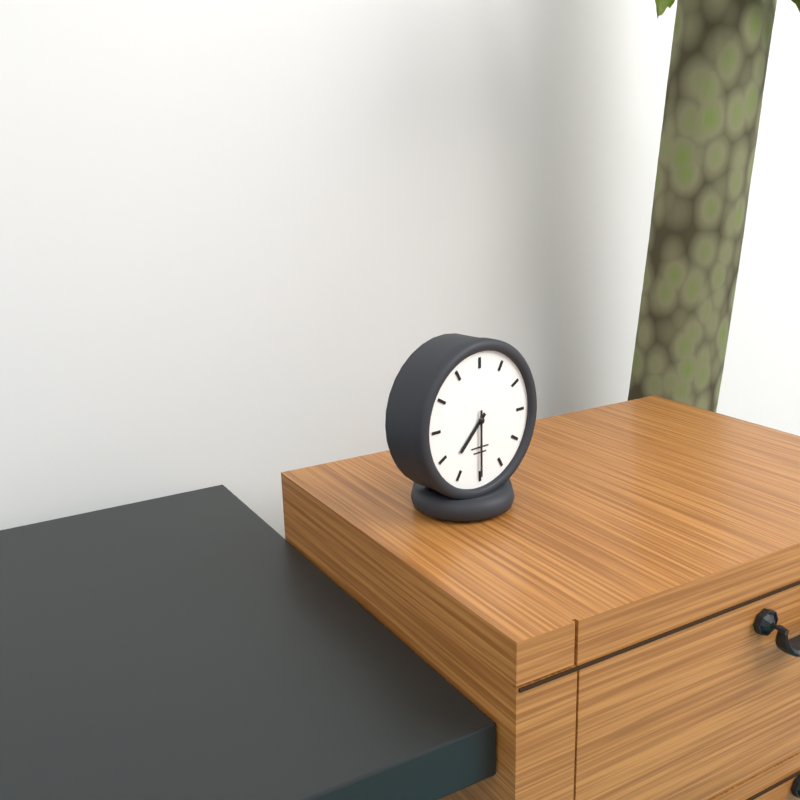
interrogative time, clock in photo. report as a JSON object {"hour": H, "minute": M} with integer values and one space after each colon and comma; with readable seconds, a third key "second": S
{"hour": 7, "minute": 30}
